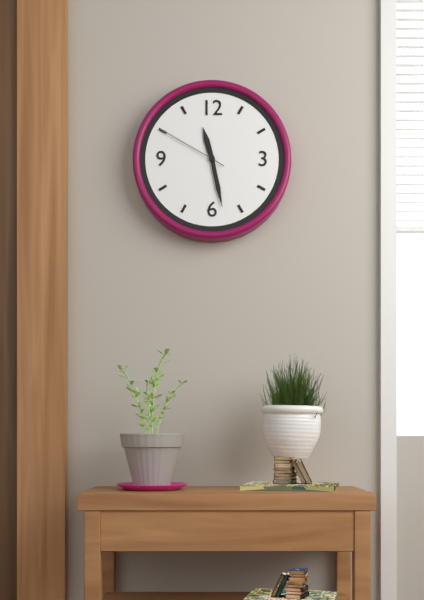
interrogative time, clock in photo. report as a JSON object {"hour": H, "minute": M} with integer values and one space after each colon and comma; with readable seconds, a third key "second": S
{"hour": 11, "minute": 28, "second": 50}
